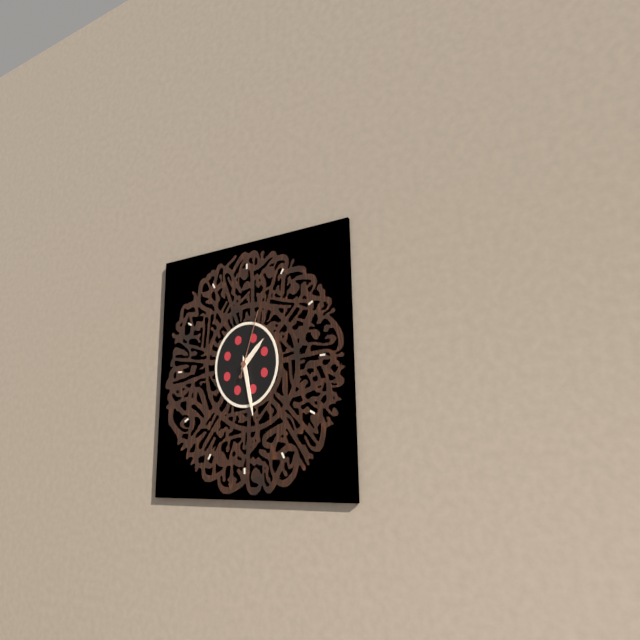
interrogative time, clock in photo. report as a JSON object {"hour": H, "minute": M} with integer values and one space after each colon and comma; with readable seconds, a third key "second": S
{"hour": 1, "minute": 28, "second": 3}
